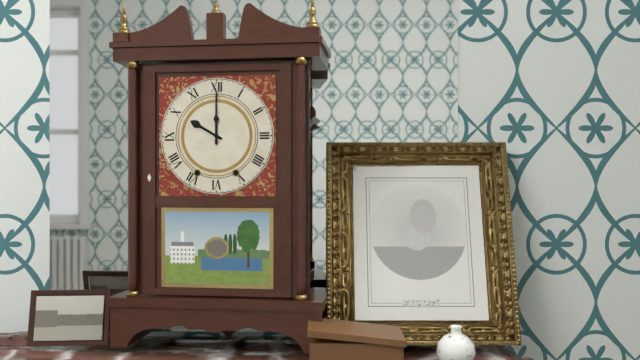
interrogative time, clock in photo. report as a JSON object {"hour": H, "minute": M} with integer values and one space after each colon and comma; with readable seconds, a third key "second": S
{"hour": 10, "minute": 0}
